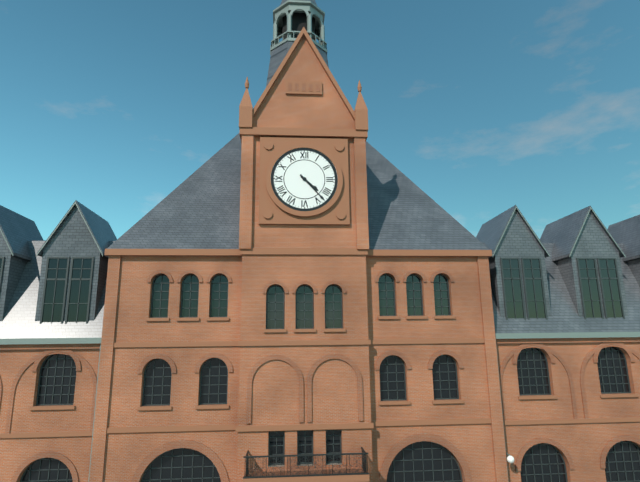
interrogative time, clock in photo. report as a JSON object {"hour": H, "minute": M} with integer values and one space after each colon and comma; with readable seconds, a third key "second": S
{"hour": 4, "minute": 23}
